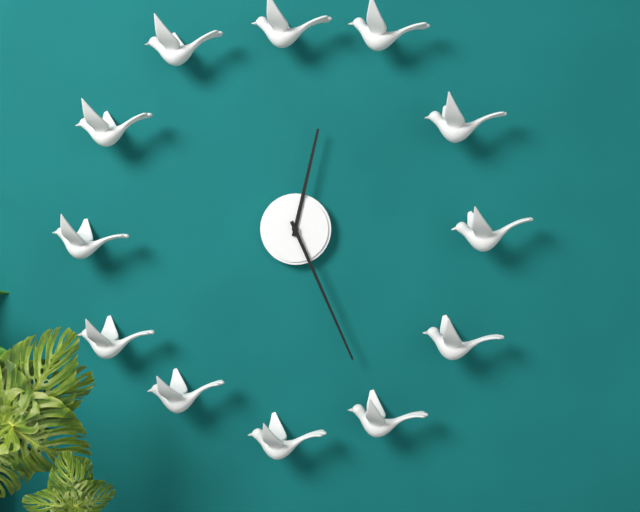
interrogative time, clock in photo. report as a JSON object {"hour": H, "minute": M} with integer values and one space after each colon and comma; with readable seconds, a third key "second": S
{"hour": 12, "minute": 26}
